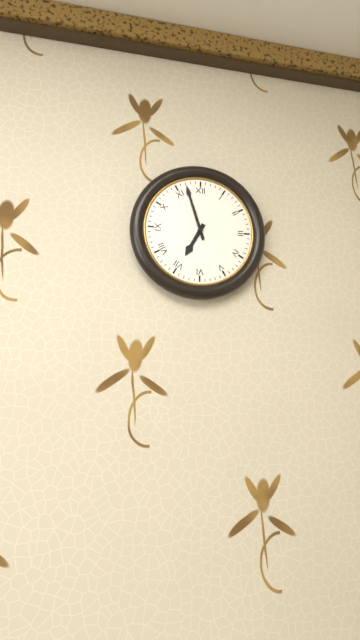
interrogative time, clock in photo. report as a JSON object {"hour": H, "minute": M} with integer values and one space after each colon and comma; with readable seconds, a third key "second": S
{"hour": 6, "minute": 57}
